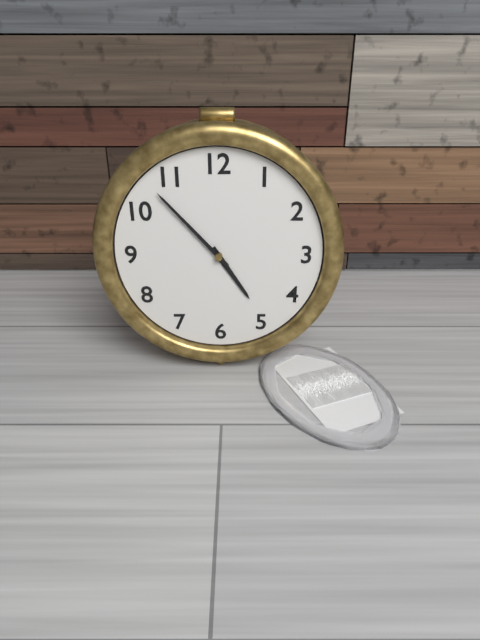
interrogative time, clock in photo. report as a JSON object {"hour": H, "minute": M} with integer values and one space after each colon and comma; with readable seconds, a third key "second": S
{"hour": 4, "minute": 53}
